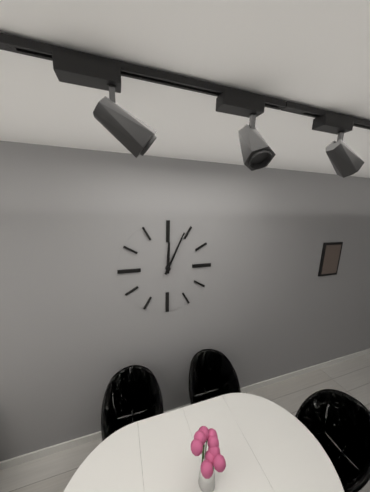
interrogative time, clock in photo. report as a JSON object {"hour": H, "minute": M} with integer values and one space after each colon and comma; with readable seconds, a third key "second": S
{"hour": 12, "minute": 4}
